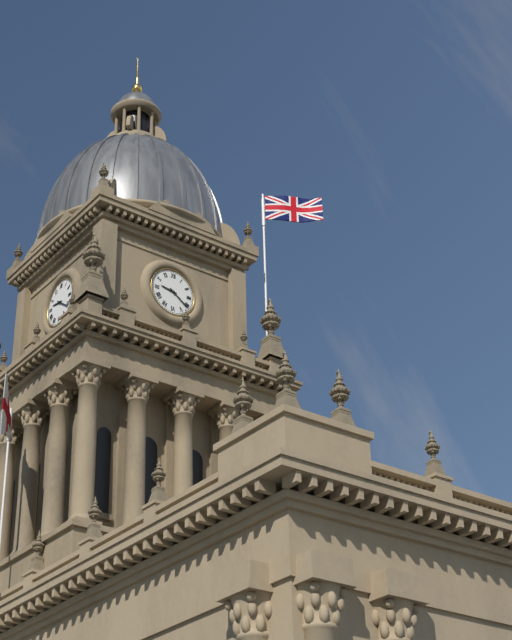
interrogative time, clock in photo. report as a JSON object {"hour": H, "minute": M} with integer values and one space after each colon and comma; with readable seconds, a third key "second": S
{"hour": 9, "minute": 21}
